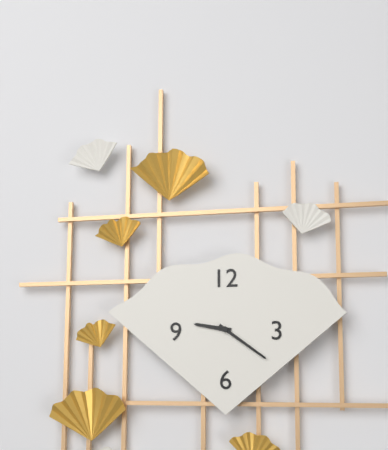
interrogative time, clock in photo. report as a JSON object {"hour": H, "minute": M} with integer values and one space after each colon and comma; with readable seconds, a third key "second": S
{"hour": 9, "minute": 21}
